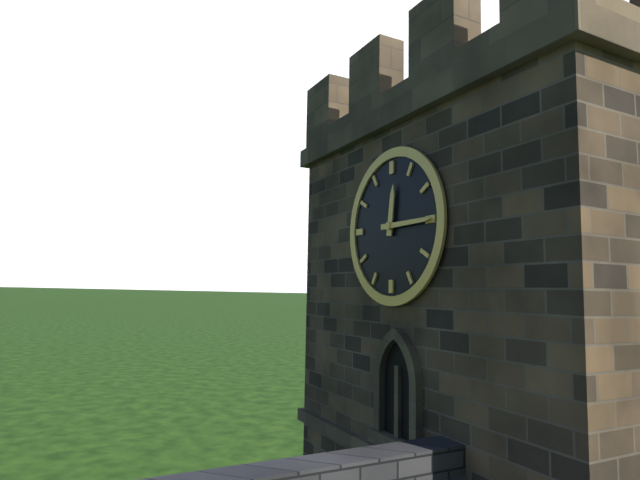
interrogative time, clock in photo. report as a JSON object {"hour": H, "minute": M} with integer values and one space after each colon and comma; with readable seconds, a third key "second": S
{"hour": 12, "minute": 15}
